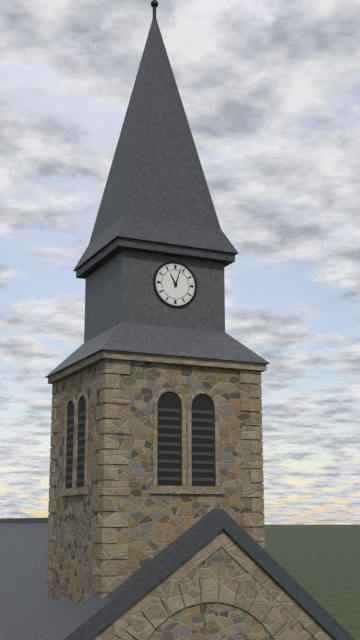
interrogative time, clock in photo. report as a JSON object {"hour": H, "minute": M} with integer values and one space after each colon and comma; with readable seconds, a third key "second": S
{"hour": 11, "minute": 3}
